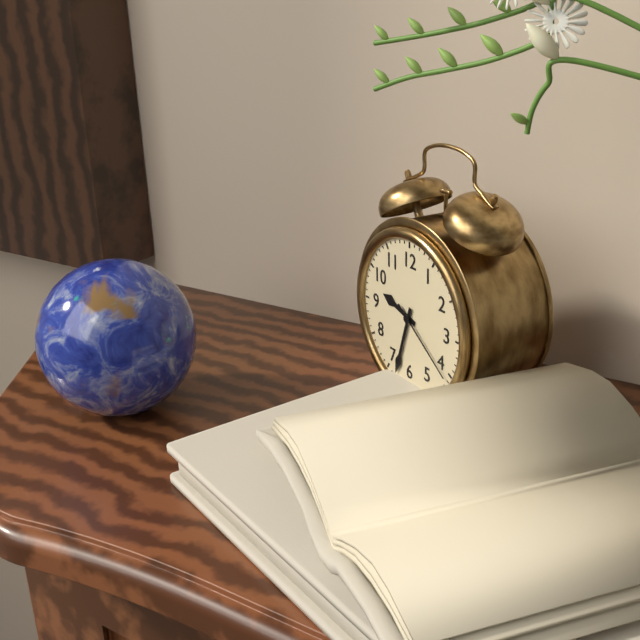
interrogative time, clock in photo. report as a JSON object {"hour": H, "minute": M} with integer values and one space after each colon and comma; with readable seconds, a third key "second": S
{"hour": 9, "minute": 33, "second": 21}
